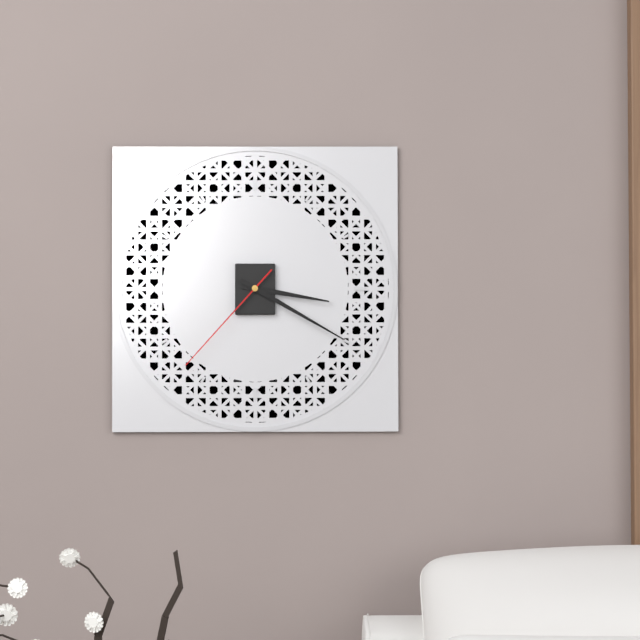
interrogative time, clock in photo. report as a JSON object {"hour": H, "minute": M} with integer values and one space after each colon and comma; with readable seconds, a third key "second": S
{"hour": 3, "minute": 20, "second": 37}
